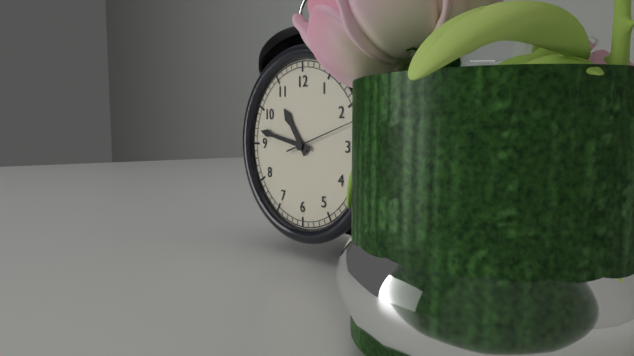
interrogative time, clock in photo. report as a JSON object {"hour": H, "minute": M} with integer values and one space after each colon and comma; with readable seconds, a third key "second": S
{"hour": 10, "minute": 47, "second": 12}
